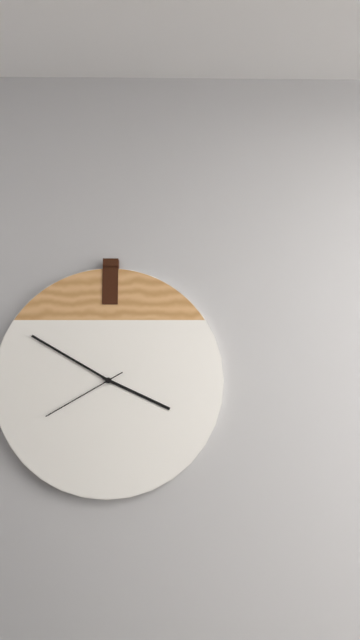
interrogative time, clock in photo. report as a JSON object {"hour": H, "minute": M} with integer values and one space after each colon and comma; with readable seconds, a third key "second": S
{"hour": 3, "minute": 50, "second": 40}
